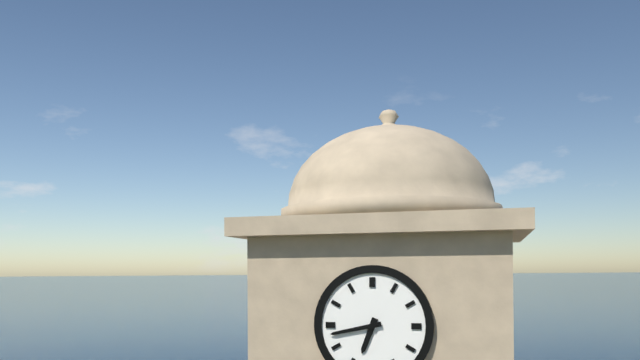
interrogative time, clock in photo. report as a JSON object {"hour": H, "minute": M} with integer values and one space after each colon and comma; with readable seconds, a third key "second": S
{"hour": 6, "minute": 43}
